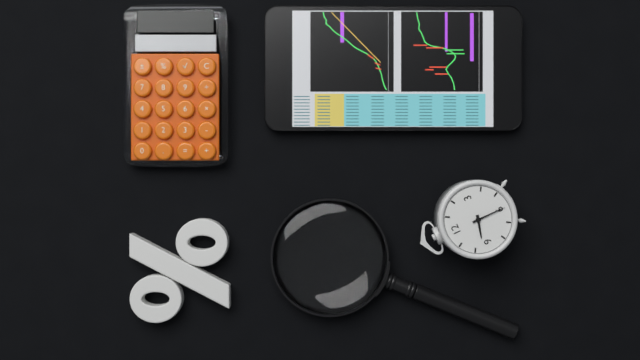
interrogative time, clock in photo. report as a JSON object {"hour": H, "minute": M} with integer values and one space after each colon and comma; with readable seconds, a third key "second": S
{"hour": 9, "minute": 30}
